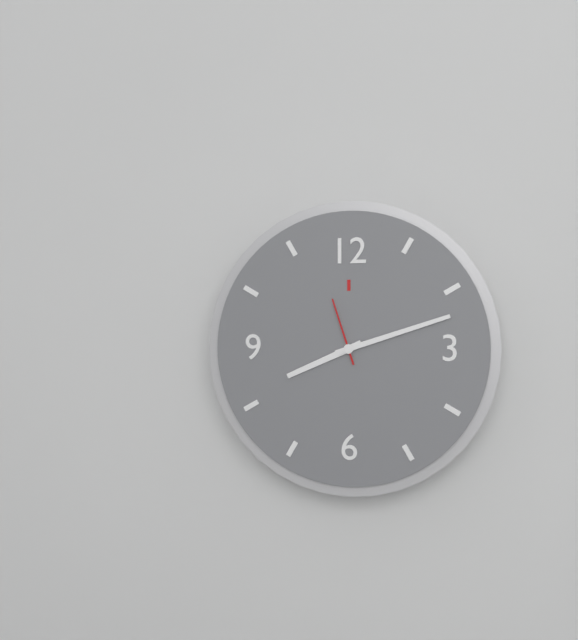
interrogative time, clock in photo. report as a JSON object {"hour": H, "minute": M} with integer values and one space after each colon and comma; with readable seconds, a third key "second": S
{"hour": 8, "minute": 12, "second": 57}
